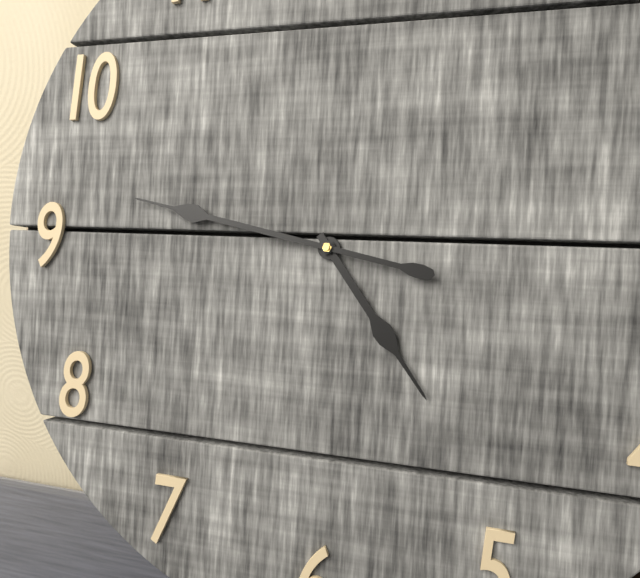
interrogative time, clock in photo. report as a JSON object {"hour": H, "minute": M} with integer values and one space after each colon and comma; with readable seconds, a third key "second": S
{"hour": 4, "minute": 47}
